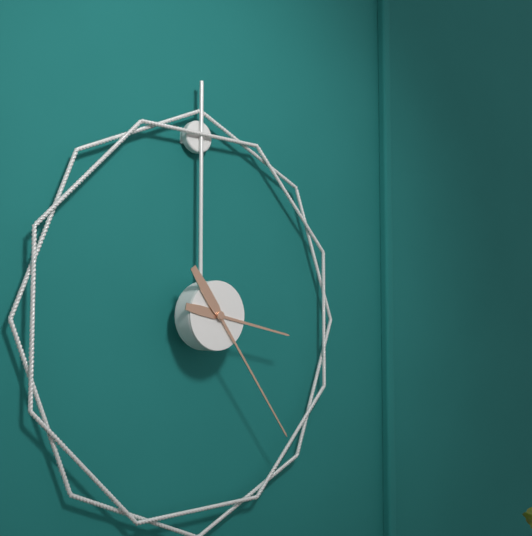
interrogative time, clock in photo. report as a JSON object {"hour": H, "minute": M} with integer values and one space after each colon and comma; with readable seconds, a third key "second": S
{"hour": 3, "minute": 24}
